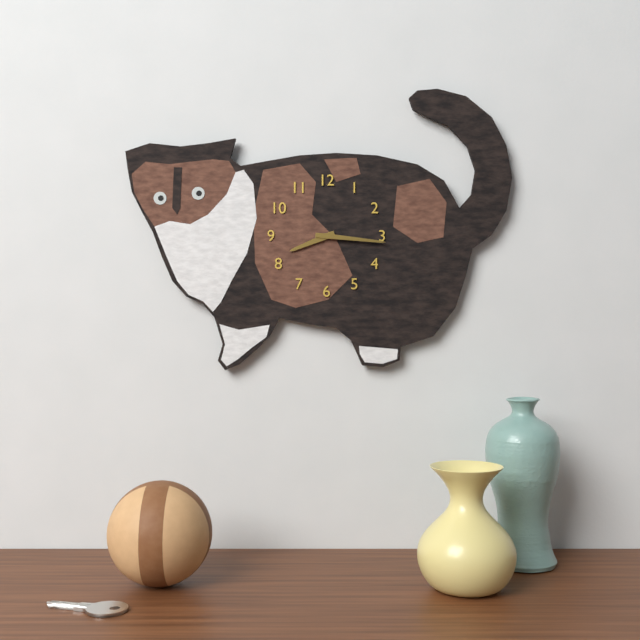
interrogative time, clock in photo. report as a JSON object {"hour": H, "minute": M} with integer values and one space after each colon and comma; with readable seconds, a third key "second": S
{"hour": 8, "minute": 16}
